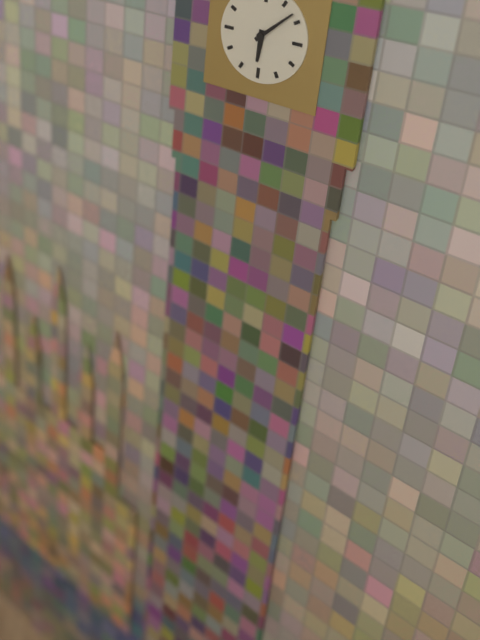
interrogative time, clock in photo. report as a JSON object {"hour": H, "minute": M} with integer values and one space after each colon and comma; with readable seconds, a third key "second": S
{"hour": 6, "minute": 8}
